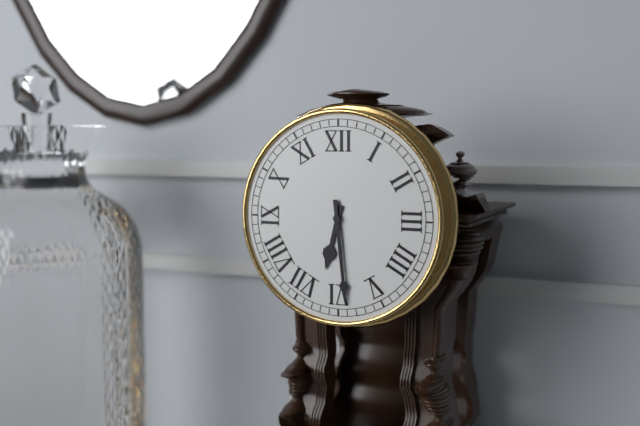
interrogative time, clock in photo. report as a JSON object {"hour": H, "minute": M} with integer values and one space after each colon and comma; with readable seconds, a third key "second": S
{"hour": 6, "minute": 29}
